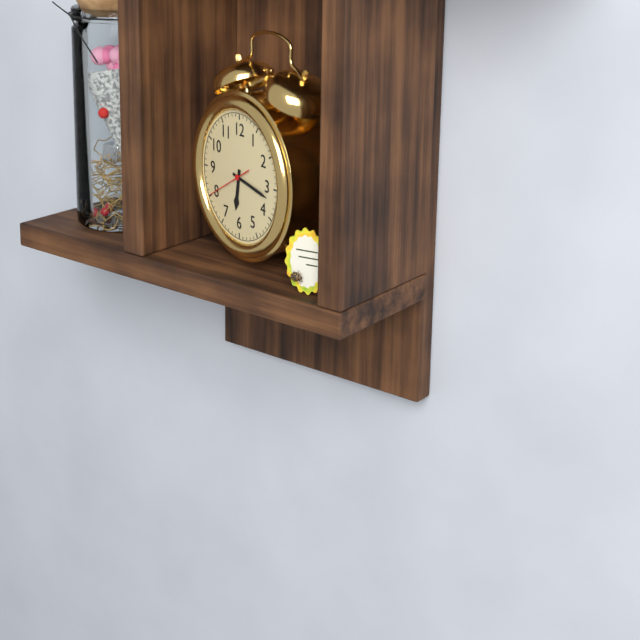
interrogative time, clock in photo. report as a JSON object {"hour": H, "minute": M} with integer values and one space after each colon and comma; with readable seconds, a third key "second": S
{"hour": 6, "minute": 17}
